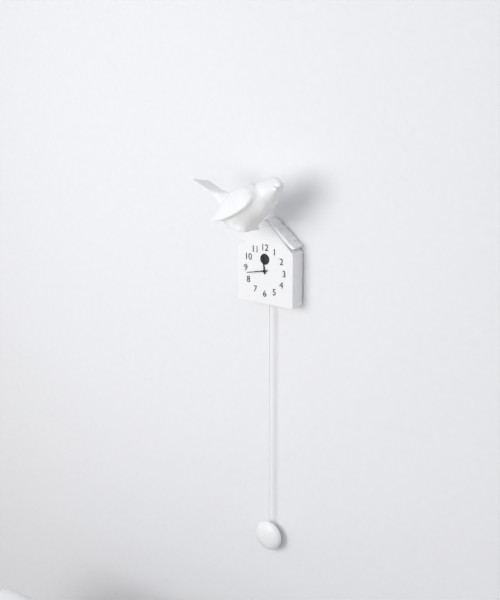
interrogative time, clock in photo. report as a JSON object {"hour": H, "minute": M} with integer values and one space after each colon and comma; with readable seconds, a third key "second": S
{"hour": 11, "minute": 43}
